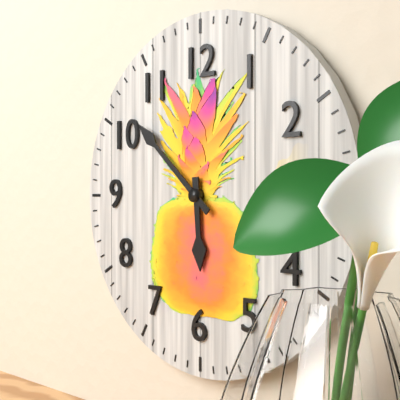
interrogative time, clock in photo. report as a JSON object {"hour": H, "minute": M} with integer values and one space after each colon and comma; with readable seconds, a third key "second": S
{"hour": 5, "minute": 52}
